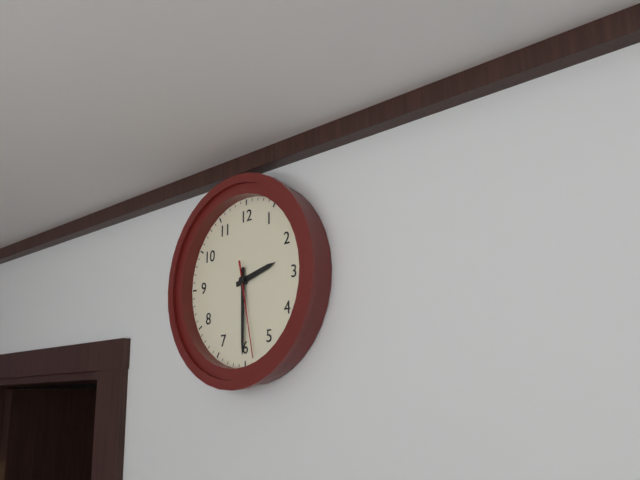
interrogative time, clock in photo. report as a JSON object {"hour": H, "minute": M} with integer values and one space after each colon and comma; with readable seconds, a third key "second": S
{"hour": 2, "minute": 30, "second": 28}
